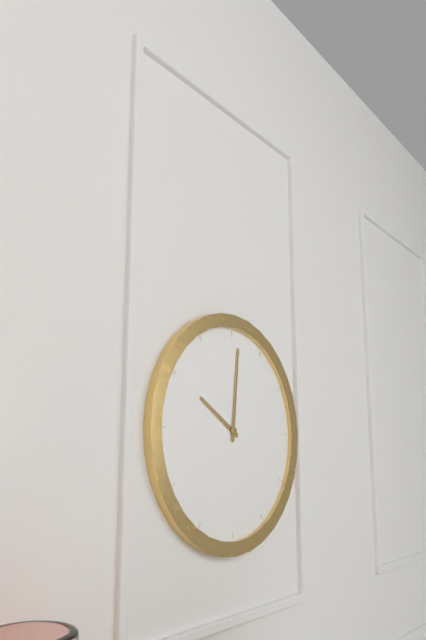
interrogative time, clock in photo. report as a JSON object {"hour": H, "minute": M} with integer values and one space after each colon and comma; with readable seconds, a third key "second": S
{"hour": 10, "minute": 1}
